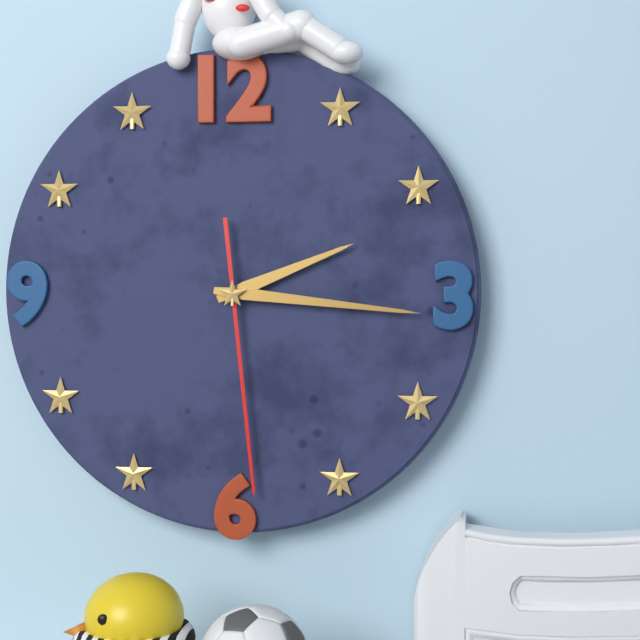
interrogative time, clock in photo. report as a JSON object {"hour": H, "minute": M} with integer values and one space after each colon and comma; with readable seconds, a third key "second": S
{"hour": 2, "minute": 16, "second": 29}
